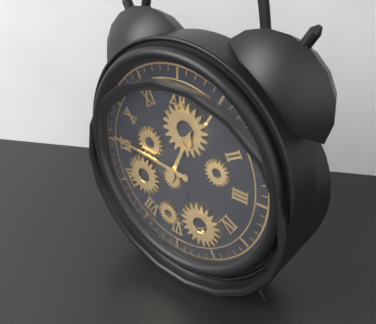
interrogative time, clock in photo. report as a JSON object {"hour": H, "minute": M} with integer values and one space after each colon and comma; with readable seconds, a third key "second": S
{"hour": 12, "minute": 46}
